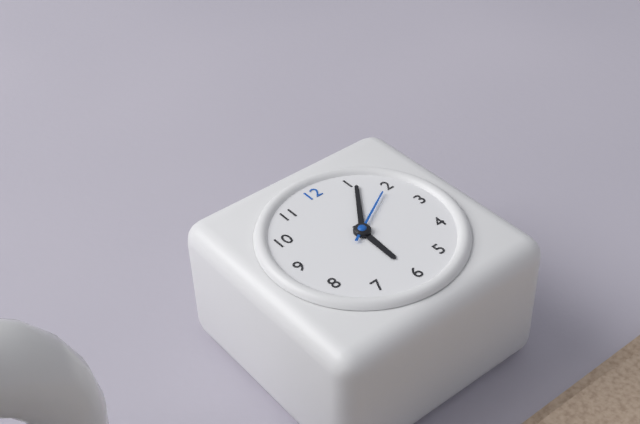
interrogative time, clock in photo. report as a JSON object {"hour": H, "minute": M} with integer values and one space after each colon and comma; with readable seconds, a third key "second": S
{"hour": 6, "minute": 6, "second": 10}
